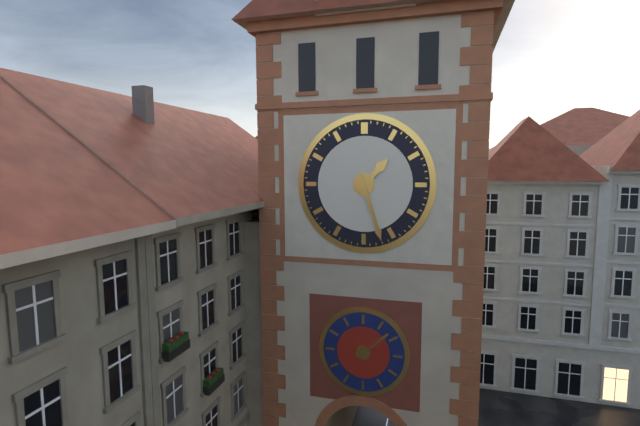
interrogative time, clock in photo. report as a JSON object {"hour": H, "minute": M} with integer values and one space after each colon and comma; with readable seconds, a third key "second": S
{"hour": 1, "minute": 27}
